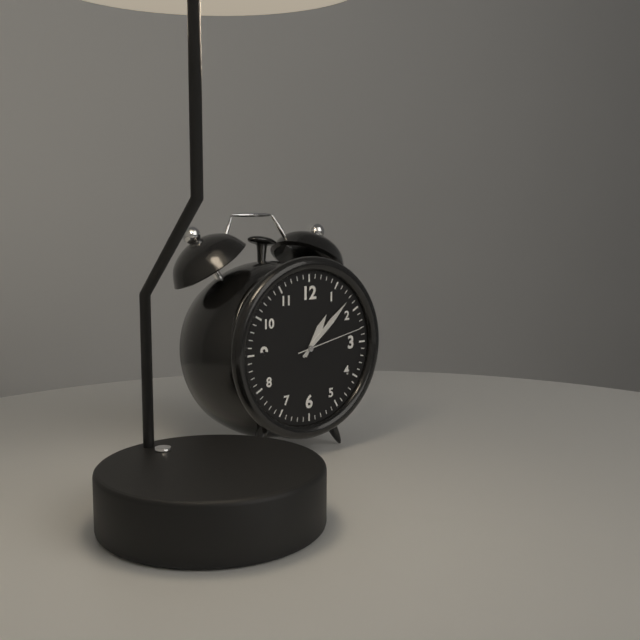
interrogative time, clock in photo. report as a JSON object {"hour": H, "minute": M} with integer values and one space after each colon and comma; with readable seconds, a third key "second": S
{"hour": 1, "minute": 8, "second": 13}
